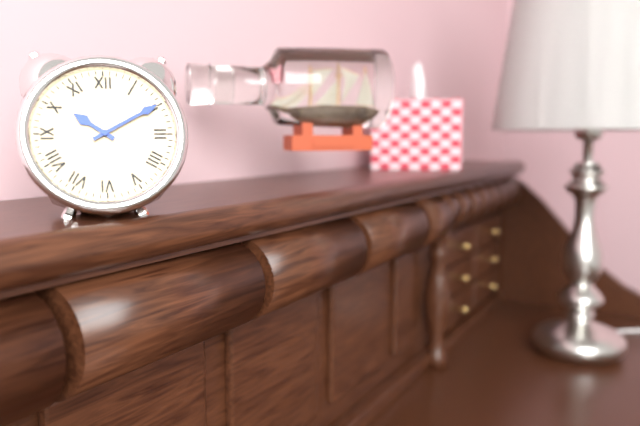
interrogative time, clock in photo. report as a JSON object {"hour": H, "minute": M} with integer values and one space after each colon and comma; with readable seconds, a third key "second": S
{"hour": 10, "minute": 10}
